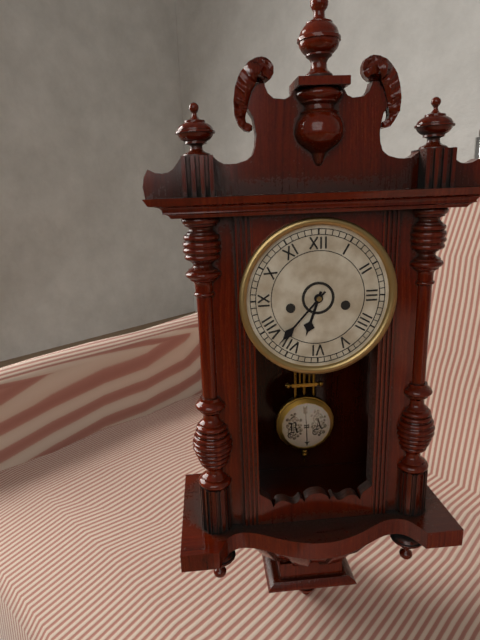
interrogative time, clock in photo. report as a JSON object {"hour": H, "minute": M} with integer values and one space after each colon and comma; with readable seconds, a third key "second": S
{"hour": 6, "minute": 37}
